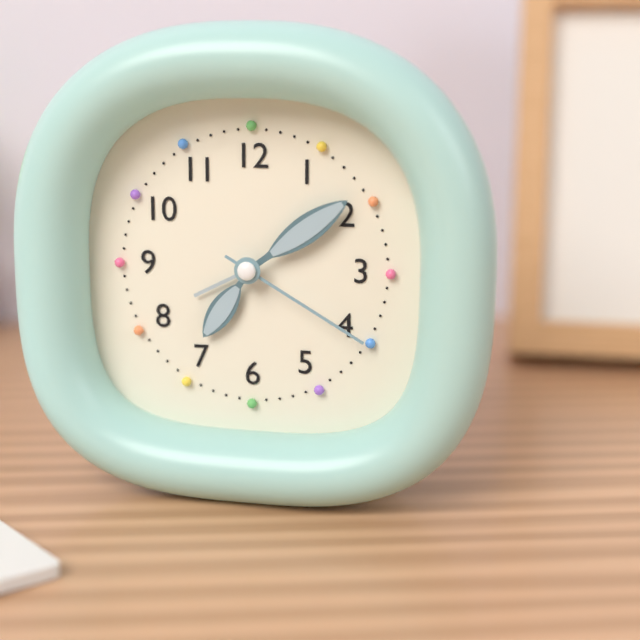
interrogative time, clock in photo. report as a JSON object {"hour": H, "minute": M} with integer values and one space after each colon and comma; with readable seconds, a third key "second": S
{"hour": 7, "minute": 9, "second": 20}
